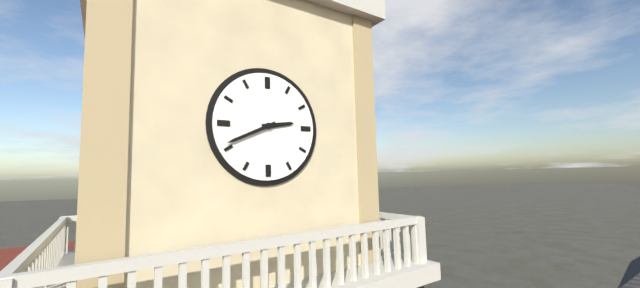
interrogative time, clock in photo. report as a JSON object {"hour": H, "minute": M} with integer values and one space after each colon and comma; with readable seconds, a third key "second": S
{"hour": 2, "minute": 41}
